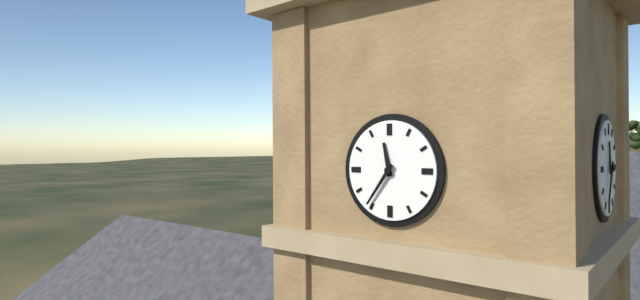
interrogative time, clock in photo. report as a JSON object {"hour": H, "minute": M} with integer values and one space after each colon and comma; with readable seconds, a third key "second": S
{"hour": 11, "minute": 36}
